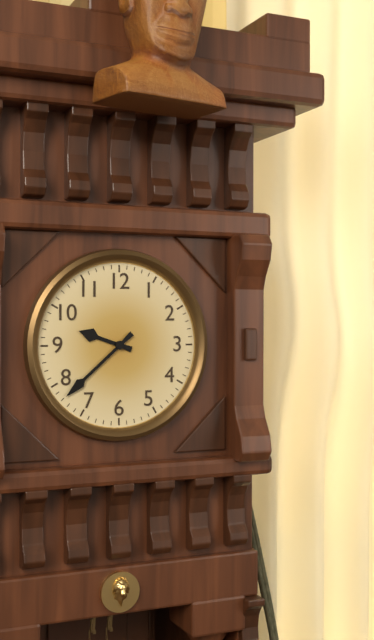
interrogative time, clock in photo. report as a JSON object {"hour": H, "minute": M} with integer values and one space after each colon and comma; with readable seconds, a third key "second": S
{"hour": 9, "minute": 38}
